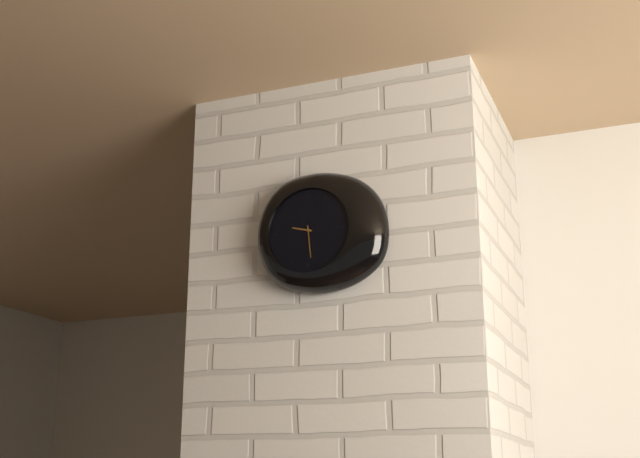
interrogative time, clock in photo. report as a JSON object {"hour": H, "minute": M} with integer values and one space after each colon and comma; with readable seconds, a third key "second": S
{"hour": 9, "minute": 29}
